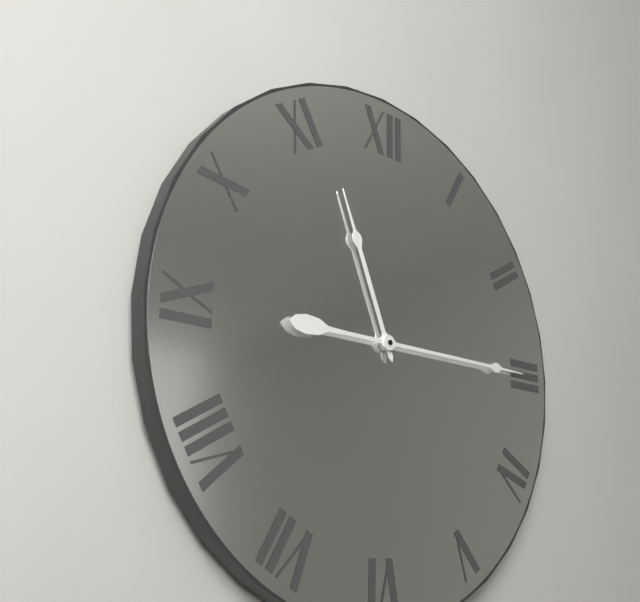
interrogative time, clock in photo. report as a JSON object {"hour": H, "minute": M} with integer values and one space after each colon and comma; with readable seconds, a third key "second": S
{"hour": 11, "minute": 15}
